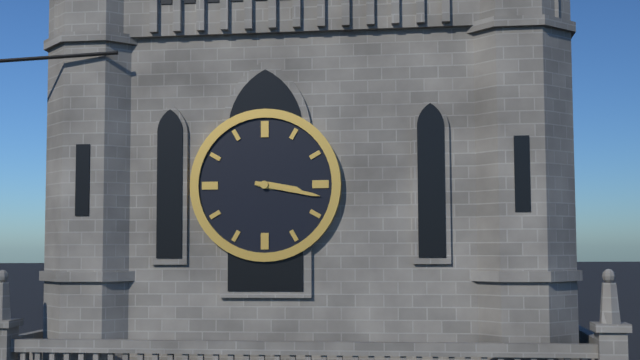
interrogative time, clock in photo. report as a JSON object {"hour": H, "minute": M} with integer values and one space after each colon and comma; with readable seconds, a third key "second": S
{"hour": 3, "minute": 17}
